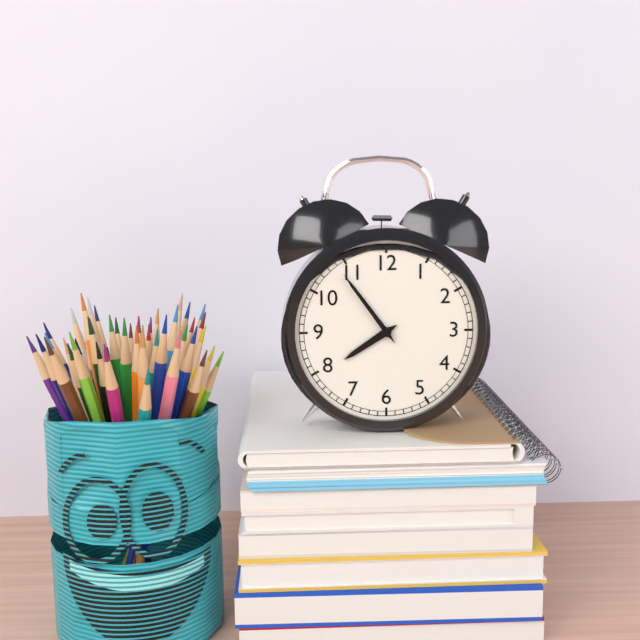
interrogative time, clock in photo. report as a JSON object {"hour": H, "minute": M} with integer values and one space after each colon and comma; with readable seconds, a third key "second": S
{"hour": 7, "minute": 54}
